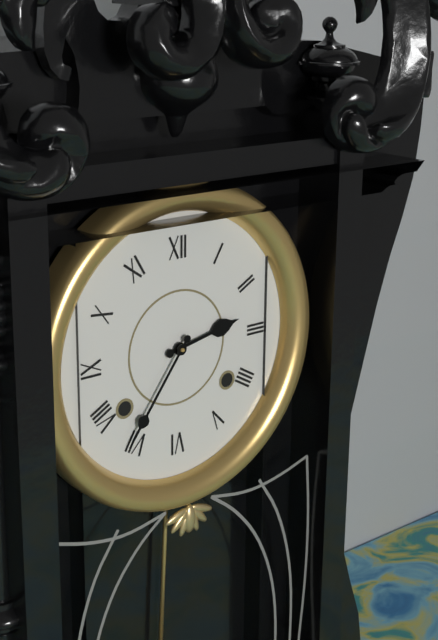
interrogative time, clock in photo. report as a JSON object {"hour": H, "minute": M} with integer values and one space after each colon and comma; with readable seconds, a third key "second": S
{"hour": 2, "minute": 36}
